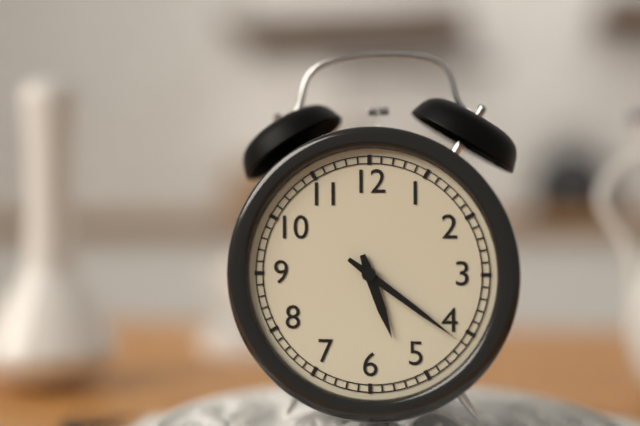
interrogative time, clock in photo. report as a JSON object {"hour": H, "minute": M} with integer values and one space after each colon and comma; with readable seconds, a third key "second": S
{"hour": 5, "minute": 21}
